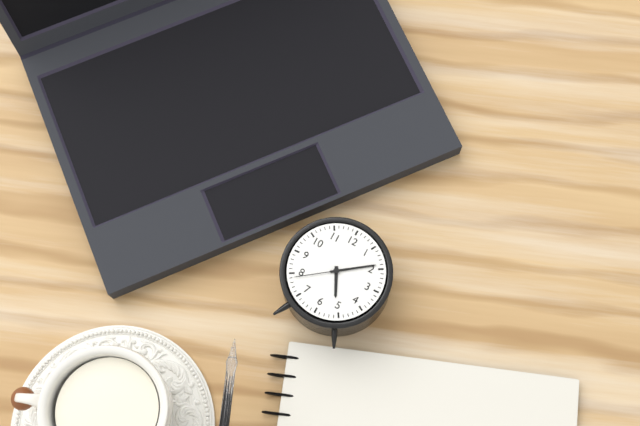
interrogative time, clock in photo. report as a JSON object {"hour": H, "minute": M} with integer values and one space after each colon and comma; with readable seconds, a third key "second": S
{"hour": 5, "minute": 9, "second": 39}
